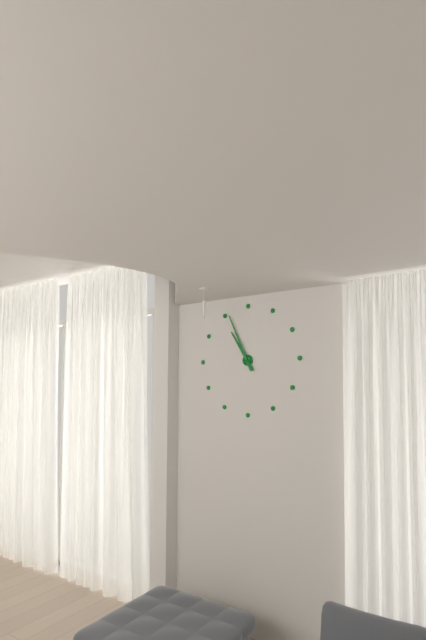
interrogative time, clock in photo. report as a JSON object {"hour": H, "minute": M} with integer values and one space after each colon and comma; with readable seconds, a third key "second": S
{"hour": 10, "minute": 56}
